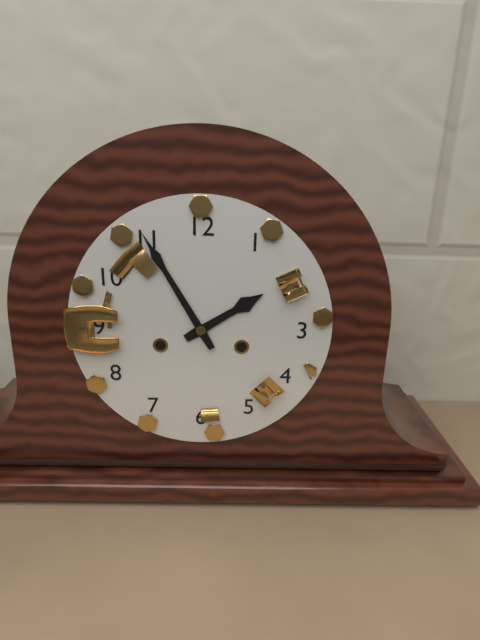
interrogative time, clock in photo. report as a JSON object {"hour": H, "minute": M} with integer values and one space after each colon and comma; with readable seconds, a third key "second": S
{"hour": 1, "minute": 55}
